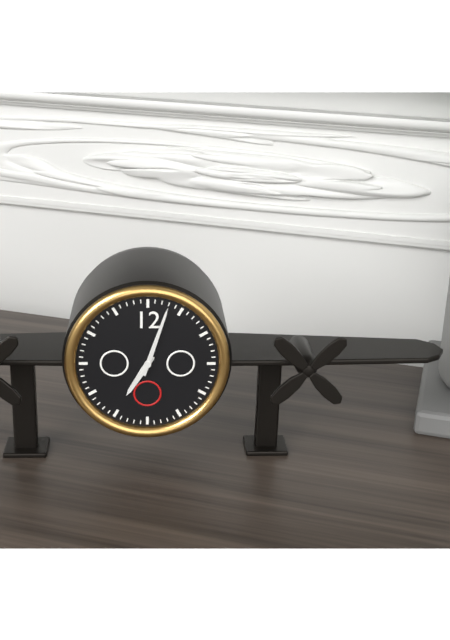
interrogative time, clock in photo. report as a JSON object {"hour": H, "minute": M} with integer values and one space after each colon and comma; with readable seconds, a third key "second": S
{"hour": 7, "minute": 3}
